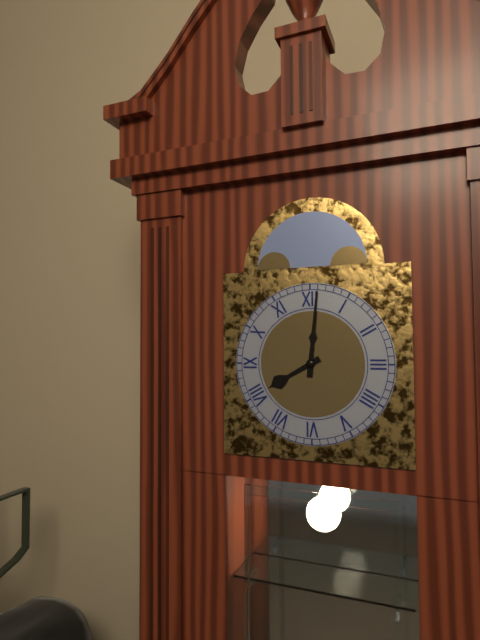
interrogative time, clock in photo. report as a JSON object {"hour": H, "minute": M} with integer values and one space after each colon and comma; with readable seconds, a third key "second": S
{"hour": 8, "minute": 1}
